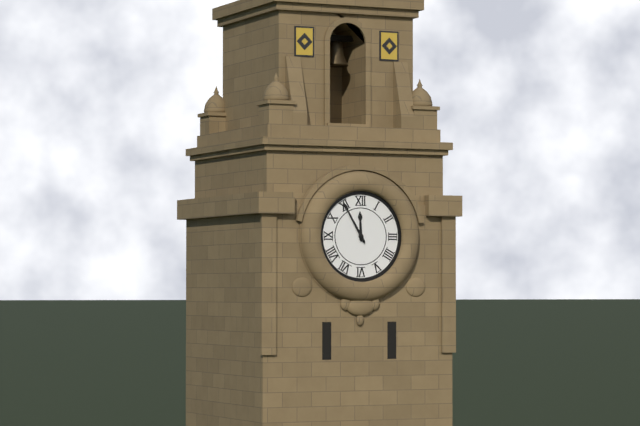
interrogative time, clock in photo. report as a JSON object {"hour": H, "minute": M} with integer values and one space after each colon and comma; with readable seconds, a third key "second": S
{"hour": 11, "minute": 55}
